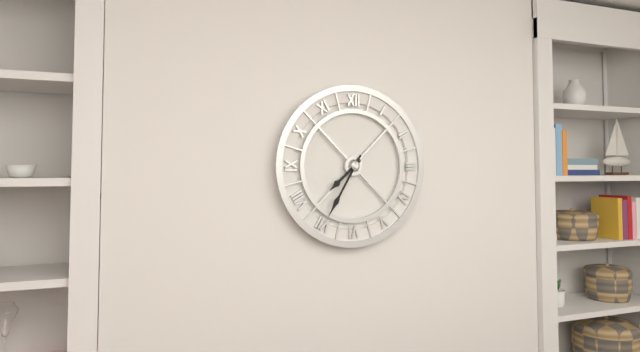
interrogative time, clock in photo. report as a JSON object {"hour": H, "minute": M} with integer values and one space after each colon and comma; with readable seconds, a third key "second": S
{"hour": 7, "minute": 35}
